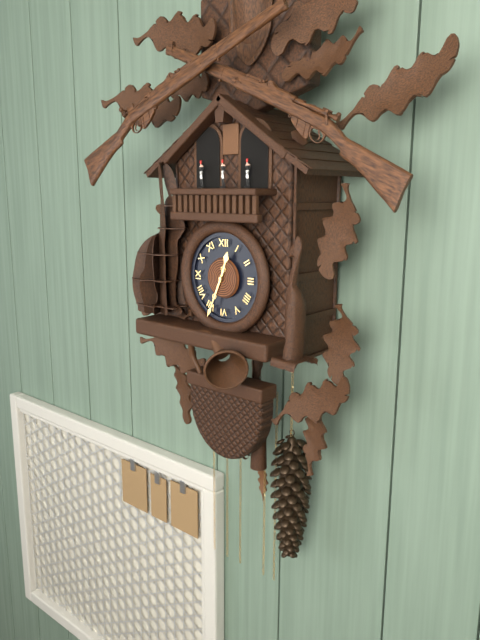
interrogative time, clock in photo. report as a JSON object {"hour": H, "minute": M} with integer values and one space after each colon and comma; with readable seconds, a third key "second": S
{"hour": 12, "minute": 34}
